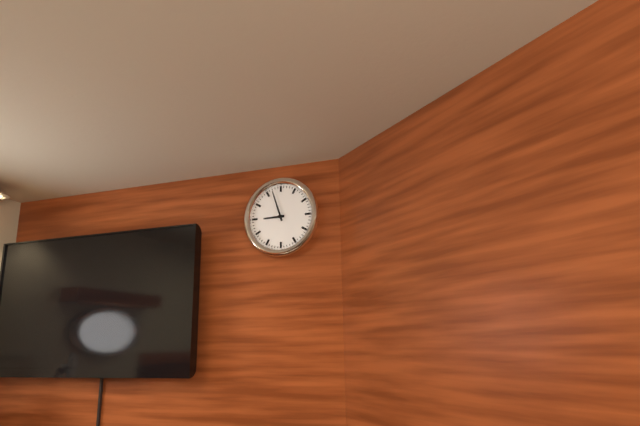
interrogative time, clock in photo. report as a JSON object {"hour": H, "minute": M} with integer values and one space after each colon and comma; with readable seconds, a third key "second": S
{"hour": 8, "minute": 57}
